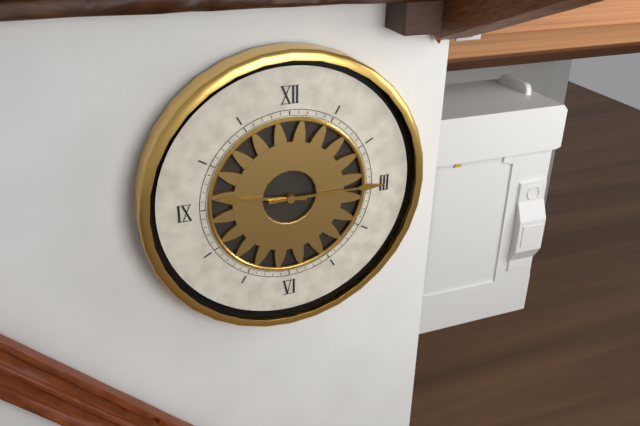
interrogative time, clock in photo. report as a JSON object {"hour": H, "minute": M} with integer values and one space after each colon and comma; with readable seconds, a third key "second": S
{"hour": 9, "minute": 15}
